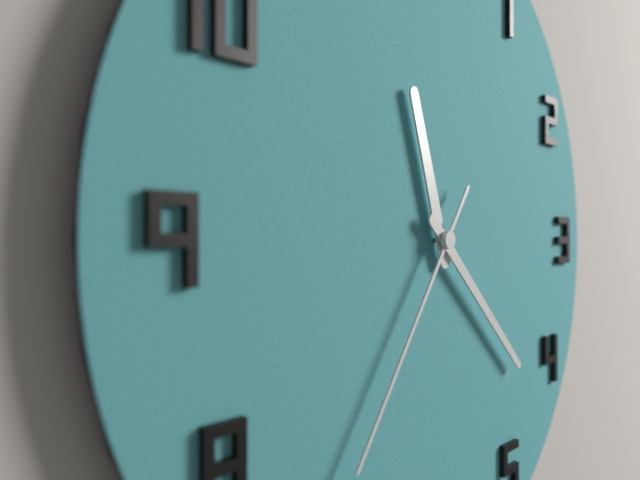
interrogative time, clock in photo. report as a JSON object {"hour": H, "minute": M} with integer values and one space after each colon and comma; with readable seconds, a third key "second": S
{"hour": 11, "minute": 22, "second": 36}
